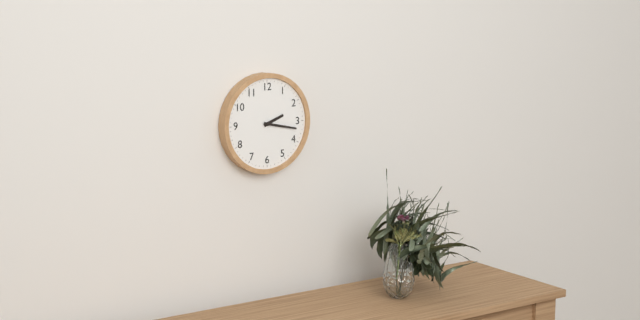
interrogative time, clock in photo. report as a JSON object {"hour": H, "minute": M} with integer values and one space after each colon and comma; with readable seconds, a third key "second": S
{"hour": 2, "minute": 17}
